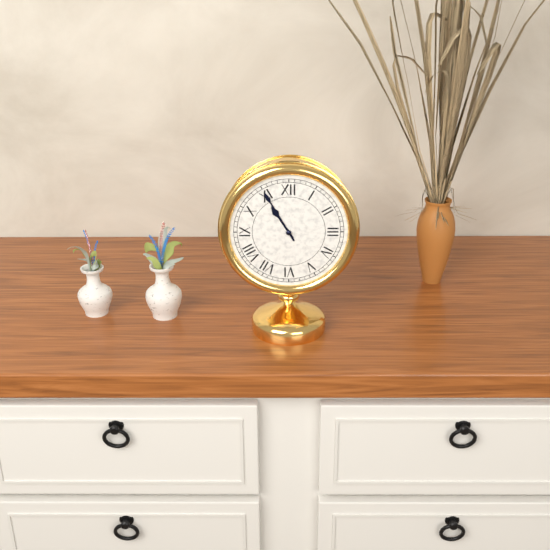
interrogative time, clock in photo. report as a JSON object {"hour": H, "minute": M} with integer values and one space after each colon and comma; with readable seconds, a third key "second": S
{"hour": 10, "minute": 55}
